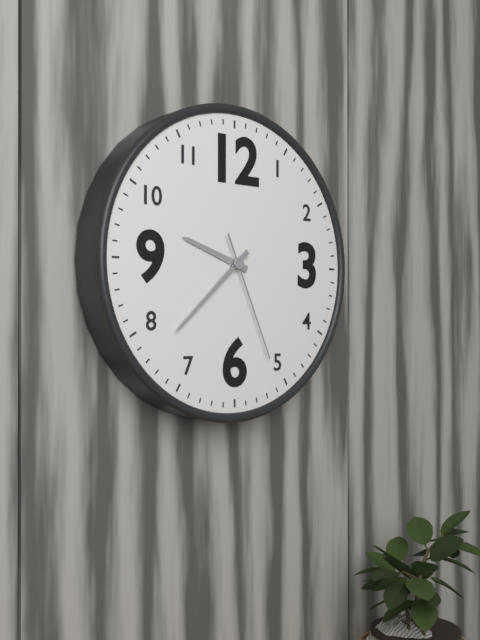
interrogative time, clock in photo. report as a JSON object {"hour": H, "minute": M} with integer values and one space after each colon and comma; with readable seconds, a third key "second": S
{"hour": 9, "minute": 38, "second": 26}
